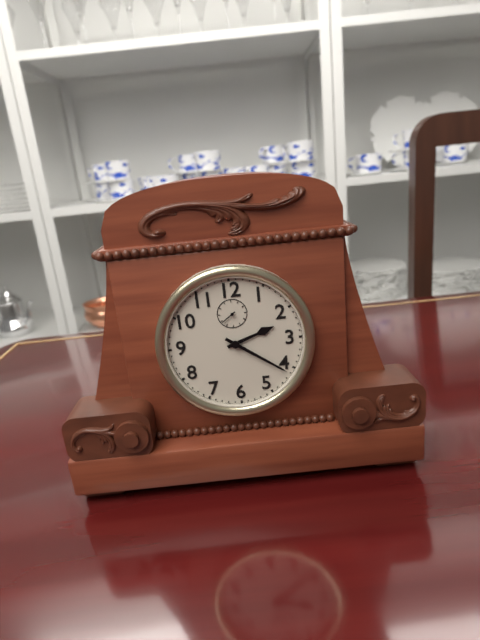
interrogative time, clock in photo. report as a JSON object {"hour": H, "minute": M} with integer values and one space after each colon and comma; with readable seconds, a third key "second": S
{"hour": 2, "minute": 21}
